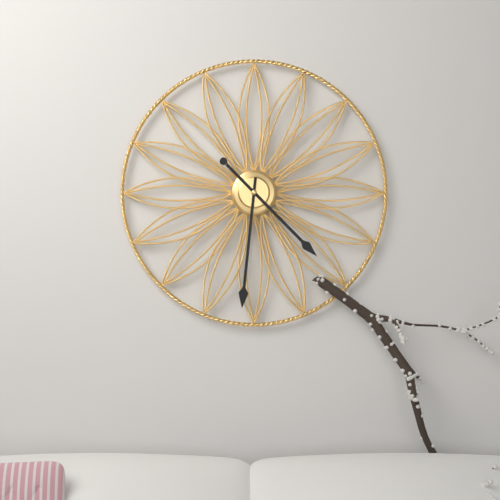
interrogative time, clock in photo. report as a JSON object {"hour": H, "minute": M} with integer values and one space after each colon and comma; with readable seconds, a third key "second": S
{"hour": 4, "minute": 31}
